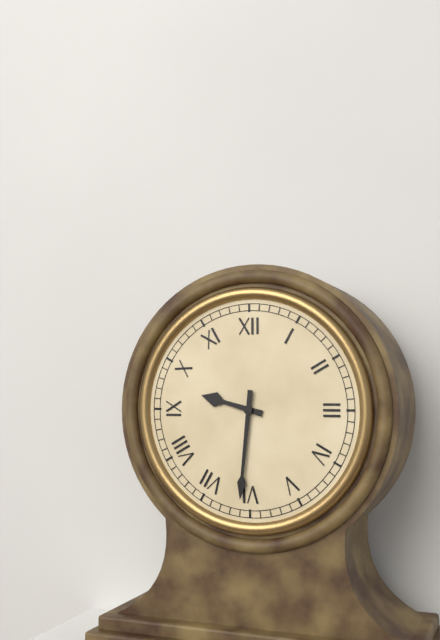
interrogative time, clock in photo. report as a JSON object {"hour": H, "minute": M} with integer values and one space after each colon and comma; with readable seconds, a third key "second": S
{"hour": 9, "minute": 31}
